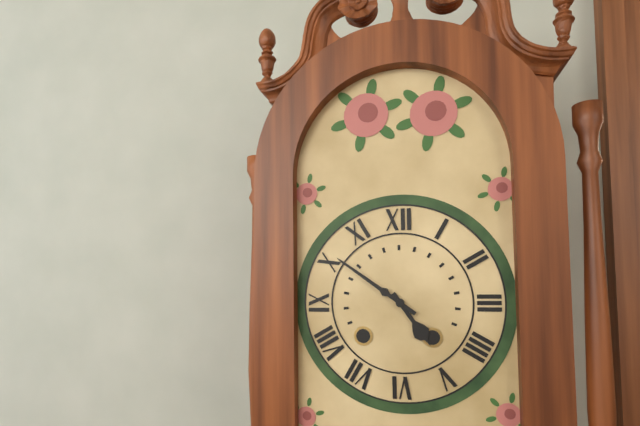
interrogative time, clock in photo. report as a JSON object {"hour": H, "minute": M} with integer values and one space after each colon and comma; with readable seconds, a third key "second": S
{"hour": 4, "minute": 51}
